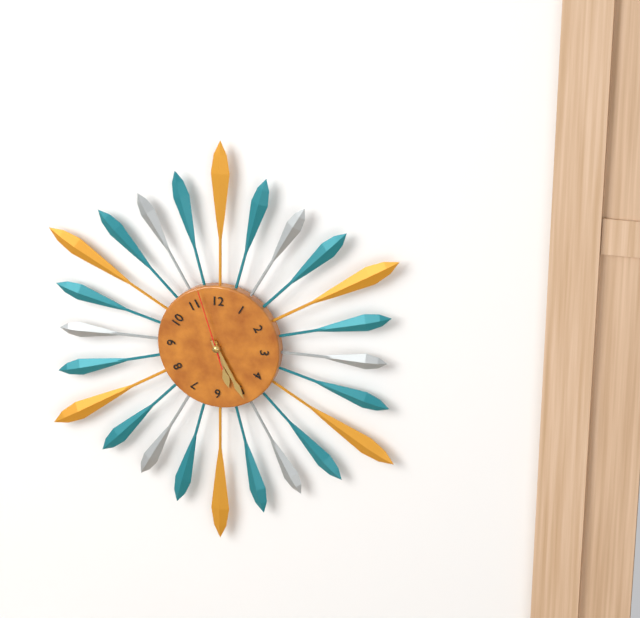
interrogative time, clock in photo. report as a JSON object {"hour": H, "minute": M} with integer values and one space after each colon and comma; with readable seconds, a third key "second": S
{"hour": 5, "minute": 25, "second": 57}
